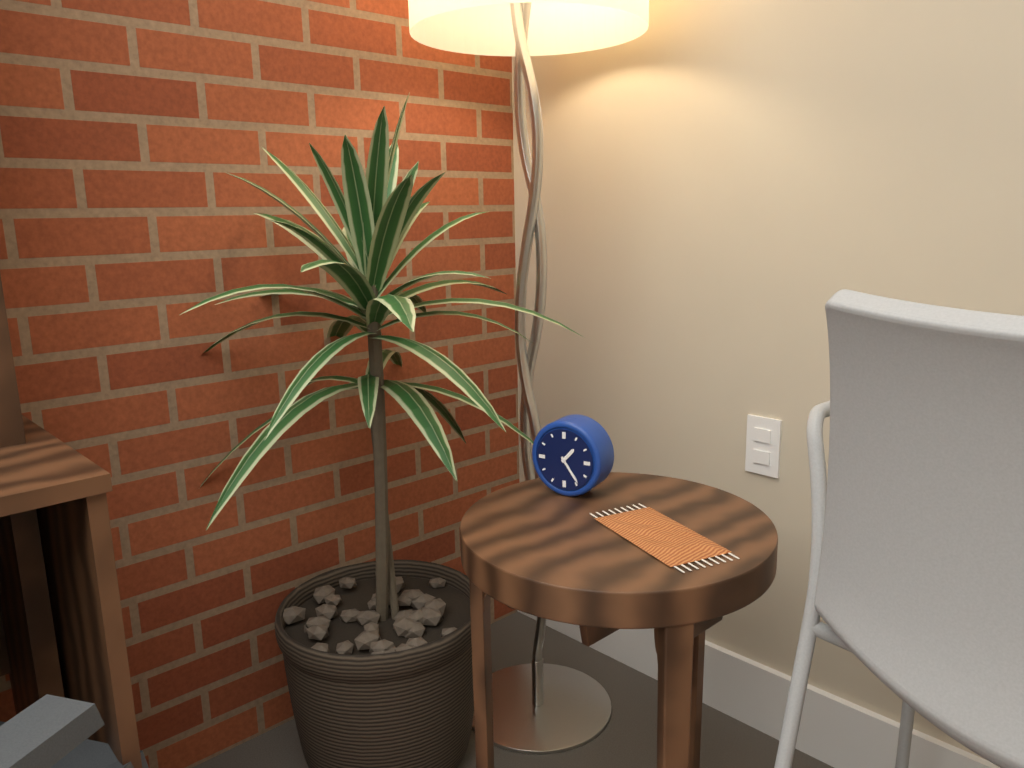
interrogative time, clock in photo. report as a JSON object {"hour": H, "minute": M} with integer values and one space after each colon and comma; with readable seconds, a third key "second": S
{"hour": 1, "minute": 24}
